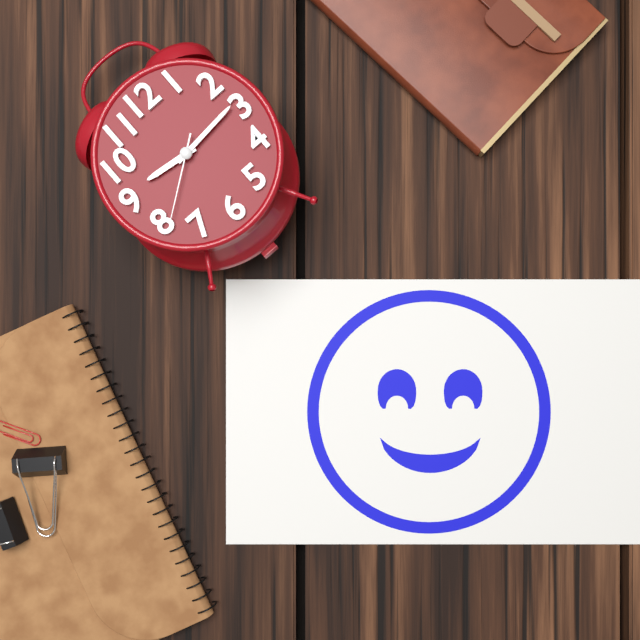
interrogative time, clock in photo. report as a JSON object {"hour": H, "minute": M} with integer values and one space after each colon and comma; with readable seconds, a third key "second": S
{"hour": 9, "minute": 14, "second": 39}
